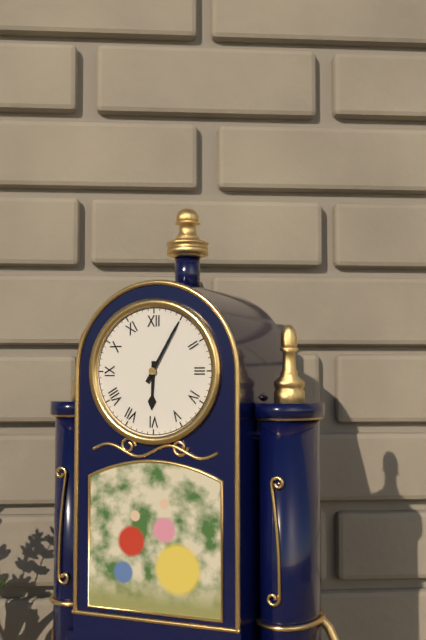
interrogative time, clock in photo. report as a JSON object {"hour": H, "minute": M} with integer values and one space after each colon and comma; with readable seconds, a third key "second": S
{"hour": 6, "minute": 5}
